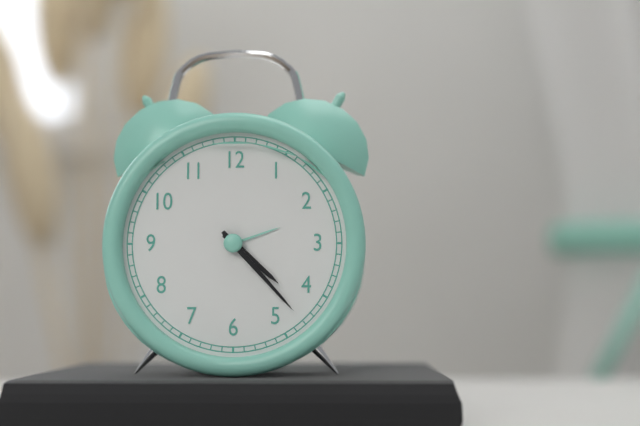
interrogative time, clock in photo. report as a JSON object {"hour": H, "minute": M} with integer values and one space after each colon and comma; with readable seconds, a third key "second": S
{"hour": 4, "minute": 23}
